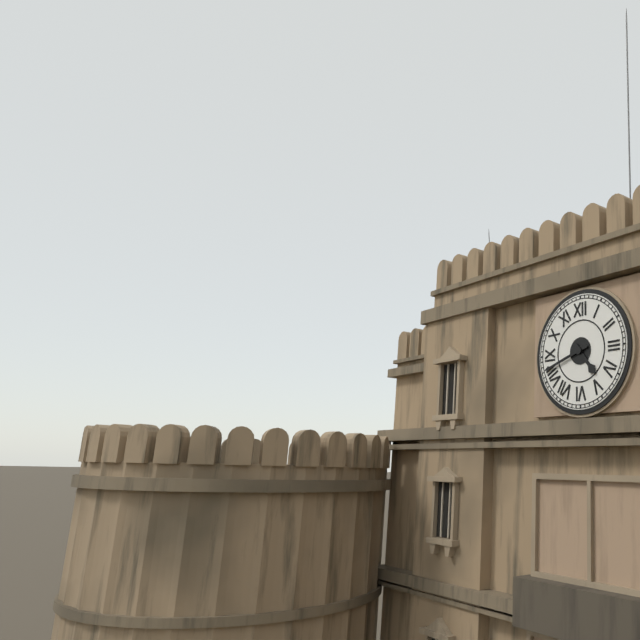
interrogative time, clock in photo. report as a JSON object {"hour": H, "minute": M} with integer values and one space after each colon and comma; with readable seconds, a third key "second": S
{"hour": 4, "minute": 42}
